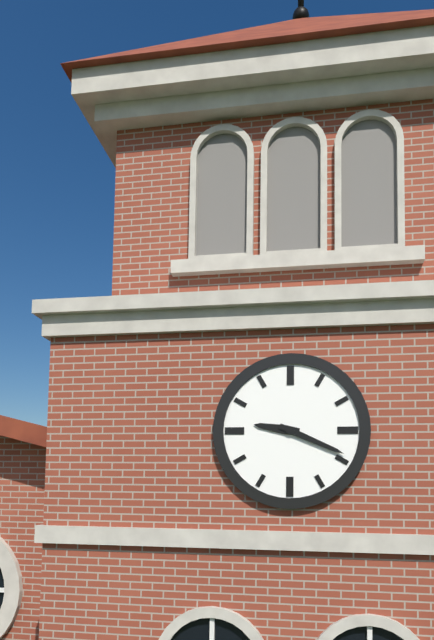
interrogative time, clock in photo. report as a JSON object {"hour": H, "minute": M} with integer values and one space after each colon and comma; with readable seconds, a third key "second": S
{"hour": 9, "minute": 19}
